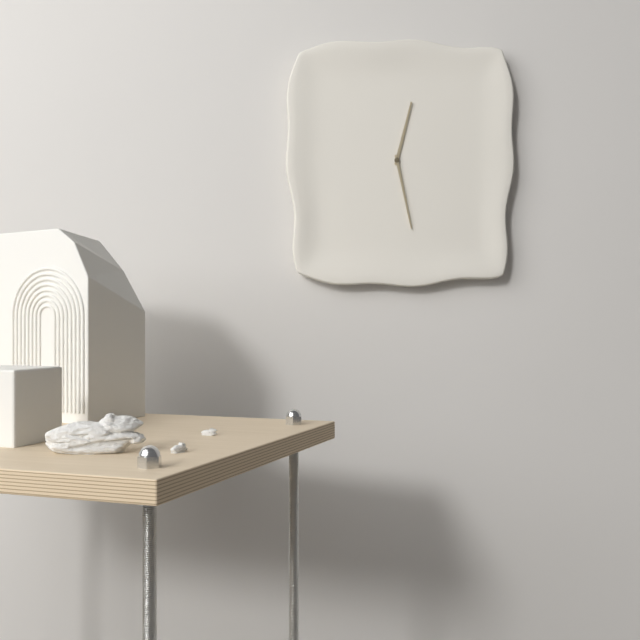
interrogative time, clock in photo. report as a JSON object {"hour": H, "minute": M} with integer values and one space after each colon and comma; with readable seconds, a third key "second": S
{"hour": 12, "minute": 28}
